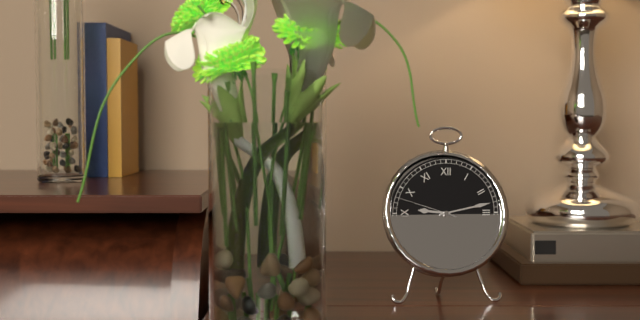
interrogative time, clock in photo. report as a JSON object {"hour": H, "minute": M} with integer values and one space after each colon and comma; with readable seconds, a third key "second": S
{"hour": 9, "minute": 13, "second": 48}
